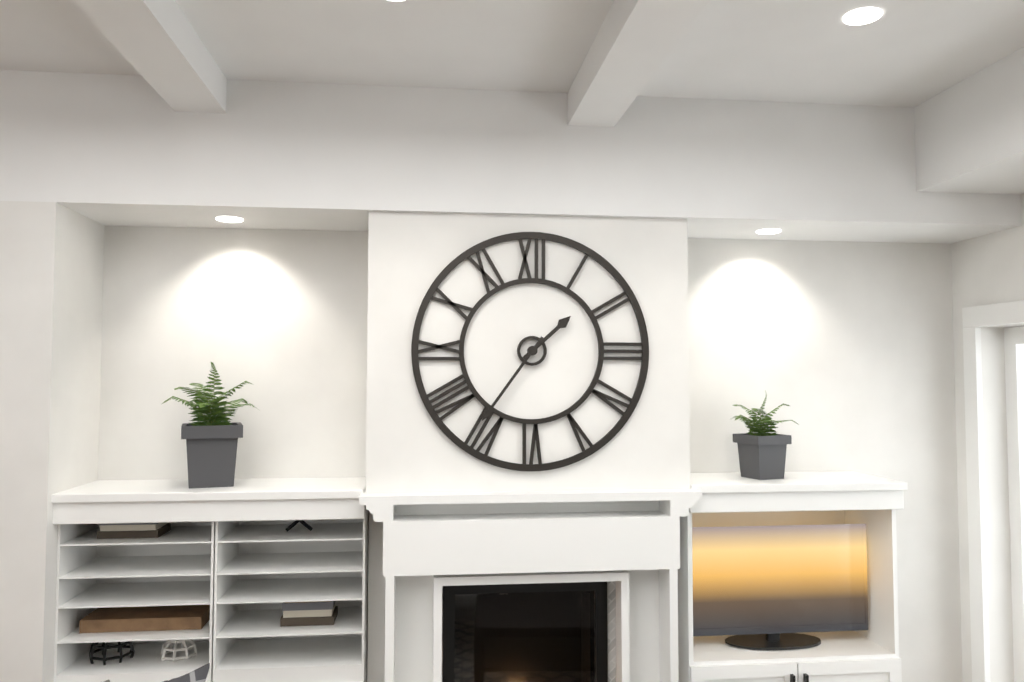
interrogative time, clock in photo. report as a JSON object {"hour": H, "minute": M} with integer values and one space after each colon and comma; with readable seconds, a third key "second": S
{"hour": 1, "minute": 36}
